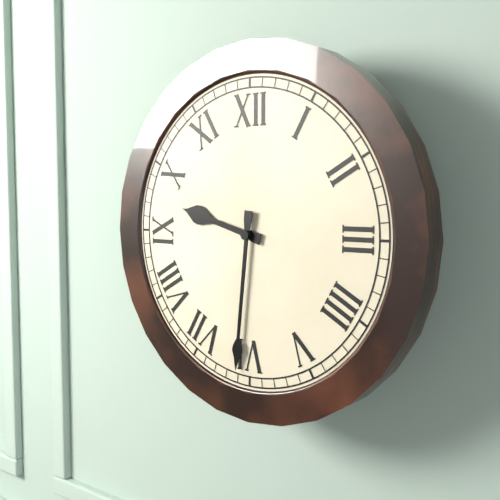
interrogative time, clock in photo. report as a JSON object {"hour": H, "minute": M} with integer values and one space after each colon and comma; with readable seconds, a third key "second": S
{"hour": 9, "minute": 31}
